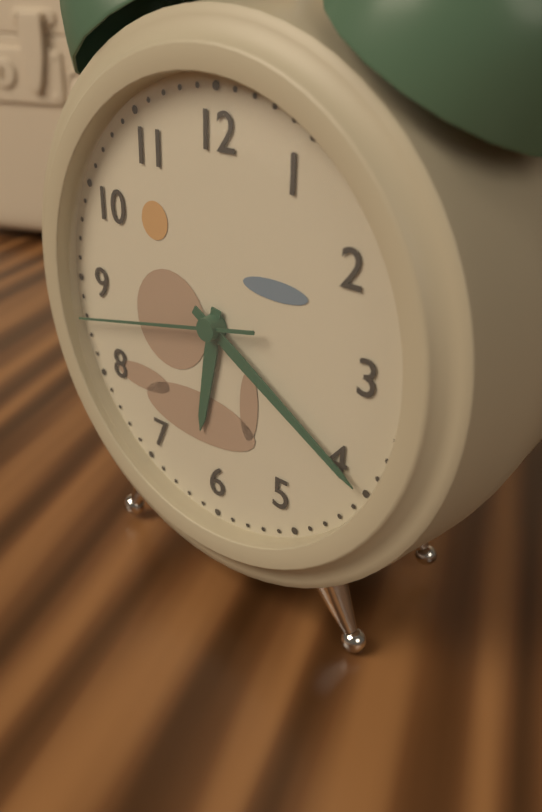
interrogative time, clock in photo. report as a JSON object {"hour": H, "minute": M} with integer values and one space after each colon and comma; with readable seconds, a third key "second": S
{"hour": 6, "minute": 20, "second": 43}
